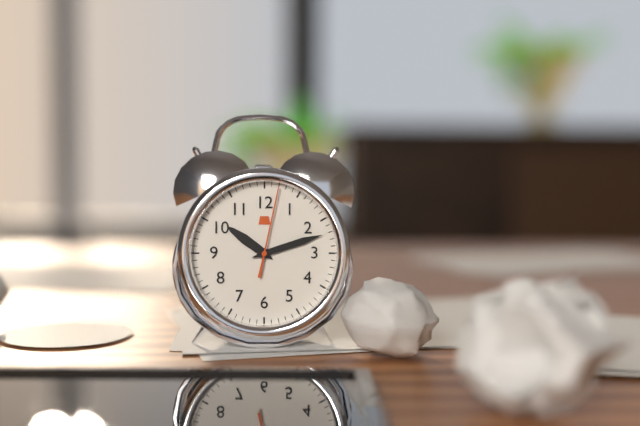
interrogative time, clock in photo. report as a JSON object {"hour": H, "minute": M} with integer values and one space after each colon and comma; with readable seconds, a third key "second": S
{"hour": 10, "minute": 12, "second": 2}
